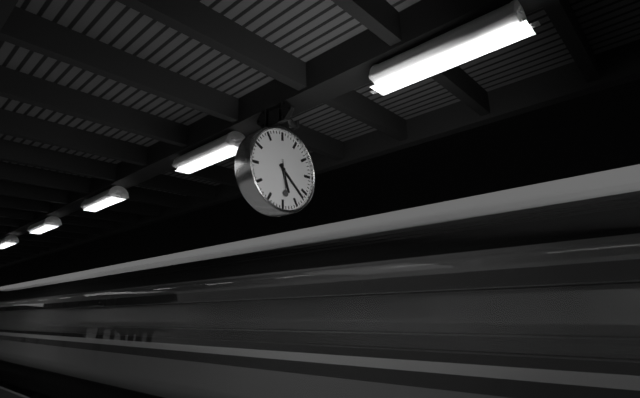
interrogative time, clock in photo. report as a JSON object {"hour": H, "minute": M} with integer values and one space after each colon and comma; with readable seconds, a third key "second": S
{"hour": 5, "minute": 22}
